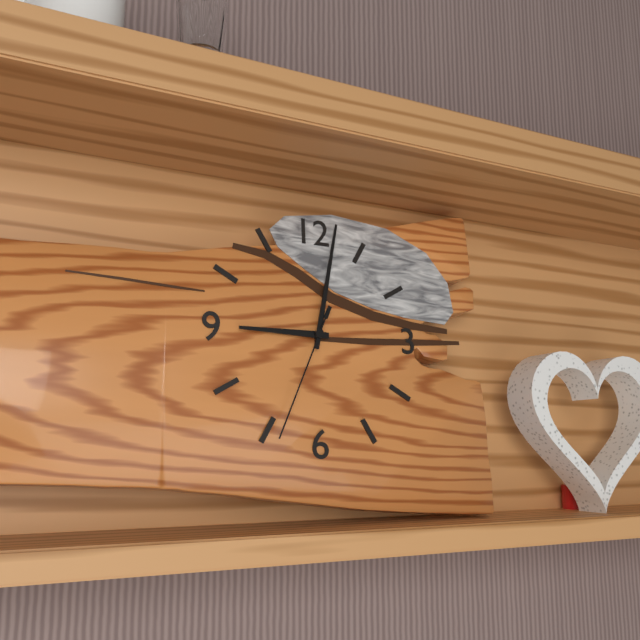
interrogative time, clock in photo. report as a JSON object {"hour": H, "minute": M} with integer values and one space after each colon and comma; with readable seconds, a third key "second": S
{"hour": 9, "minute": 2, "second": 34}
